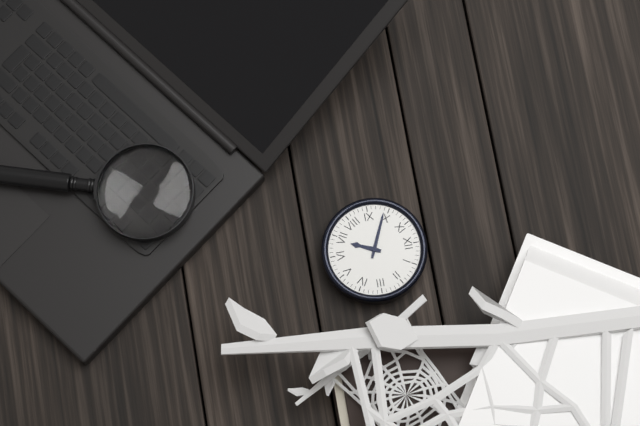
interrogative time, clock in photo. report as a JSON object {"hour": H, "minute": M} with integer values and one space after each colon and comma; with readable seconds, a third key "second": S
{"hour": 6, "minute": 49}
